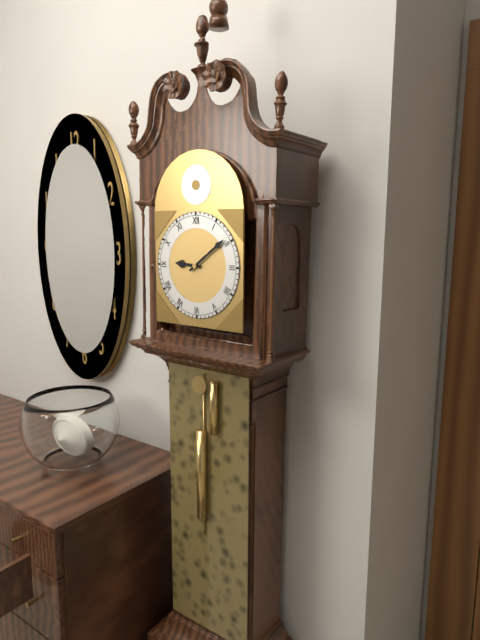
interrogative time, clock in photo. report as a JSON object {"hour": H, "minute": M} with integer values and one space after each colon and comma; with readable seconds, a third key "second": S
{"hour": 9, "minute": 9}
